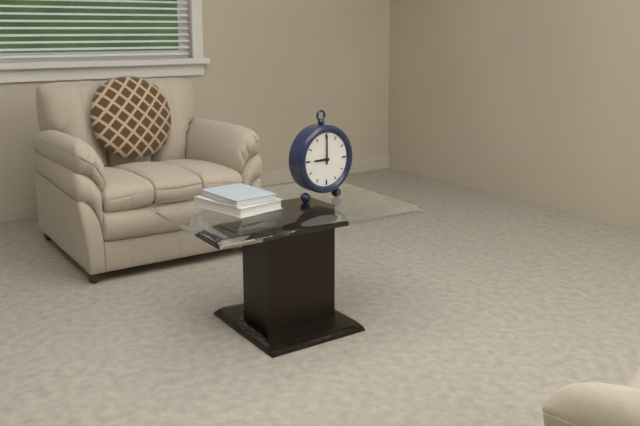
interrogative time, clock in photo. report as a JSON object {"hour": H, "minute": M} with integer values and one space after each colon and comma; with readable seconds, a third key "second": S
{"hour": 9, "minute": 0}
